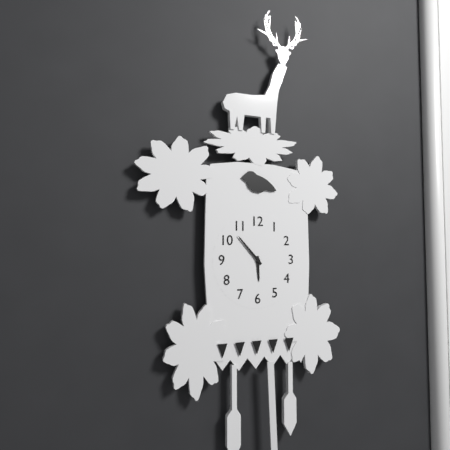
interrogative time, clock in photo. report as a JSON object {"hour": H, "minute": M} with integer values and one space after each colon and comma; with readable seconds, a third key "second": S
{"hour": 5, "minute": 53}
